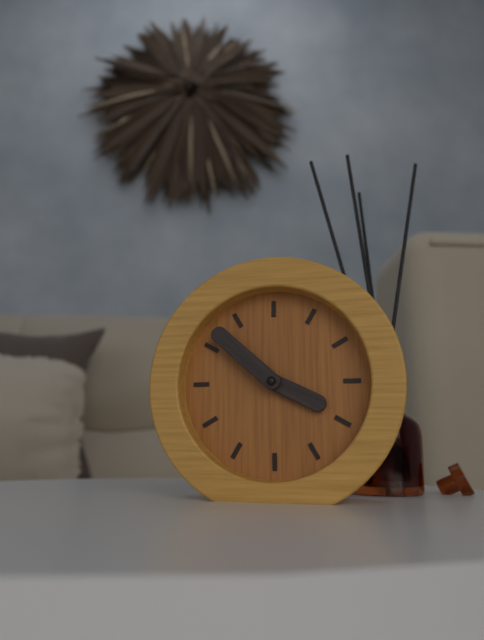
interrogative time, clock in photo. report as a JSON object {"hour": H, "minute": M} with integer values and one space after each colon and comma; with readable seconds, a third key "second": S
{"hour": 3, "minute": 52}
